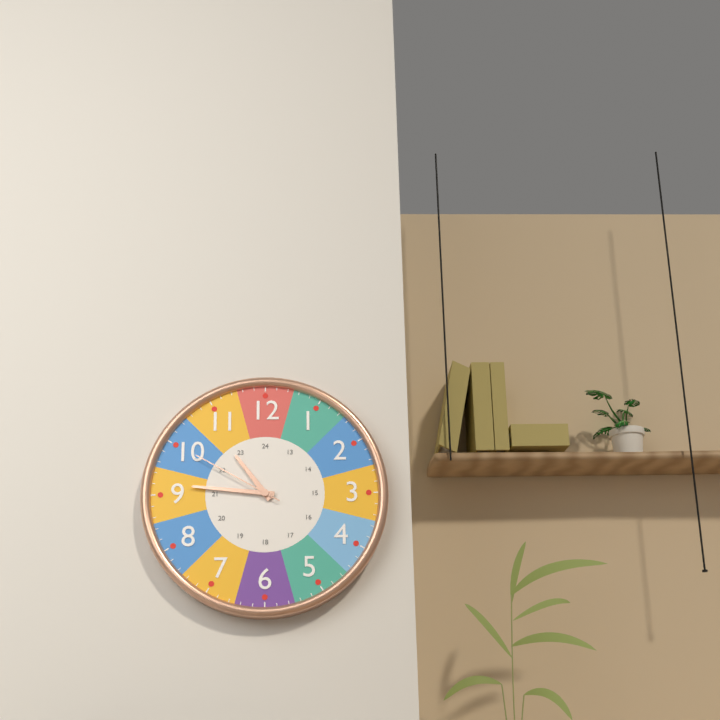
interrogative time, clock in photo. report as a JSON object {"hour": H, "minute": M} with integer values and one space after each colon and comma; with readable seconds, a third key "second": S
{"hour": 10, "minute": 46, "second": 50}
